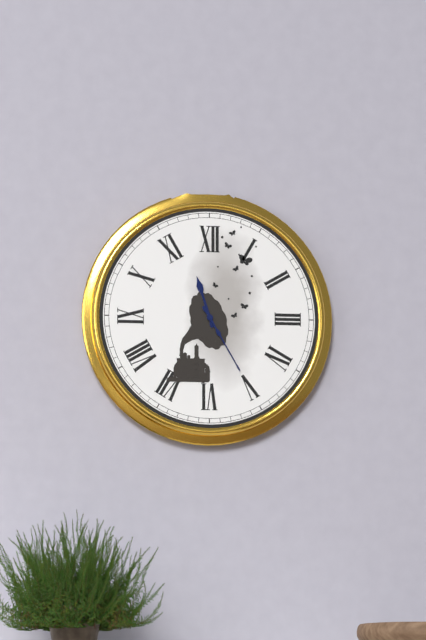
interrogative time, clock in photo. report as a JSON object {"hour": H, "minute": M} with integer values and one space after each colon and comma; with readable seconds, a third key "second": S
{"hour": 11, "minute": 25}
